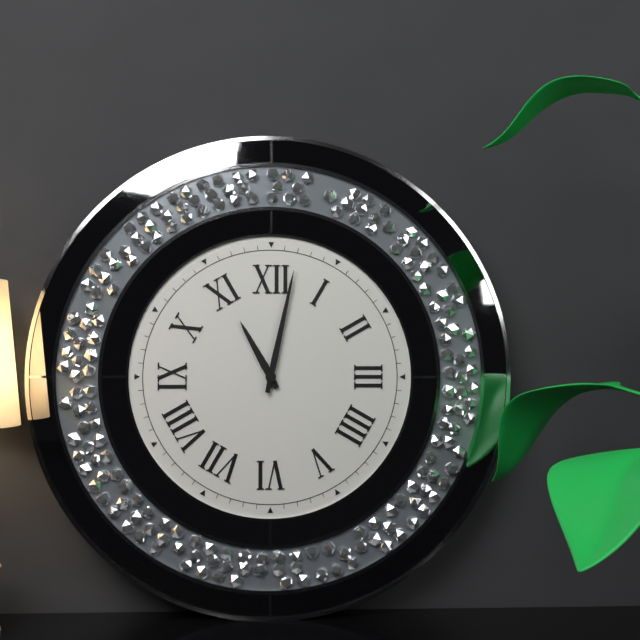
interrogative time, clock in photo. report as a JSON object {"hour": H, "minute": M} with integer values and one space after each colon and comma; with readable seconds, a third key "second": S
{"hour": 11, "minute": 2}
